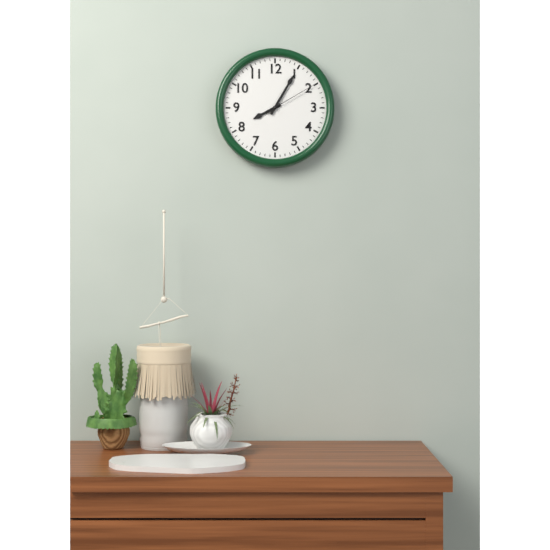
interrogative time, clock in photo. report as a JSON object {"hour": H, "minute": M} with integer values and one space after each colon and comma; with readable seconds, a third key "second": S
{"hour": 8, "minute": 5, "second": 10}
